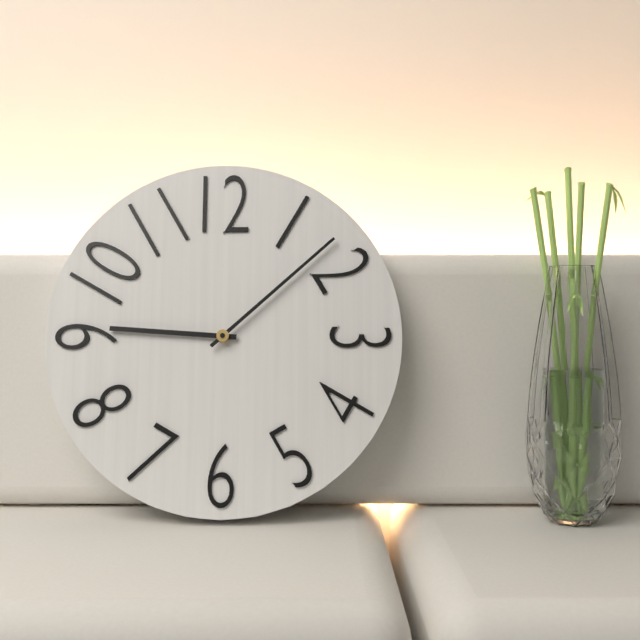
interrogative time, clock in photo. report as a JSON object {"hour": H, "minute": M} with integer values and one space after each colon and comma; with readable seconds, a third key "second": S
{"hour": 9, "minute": 8}
